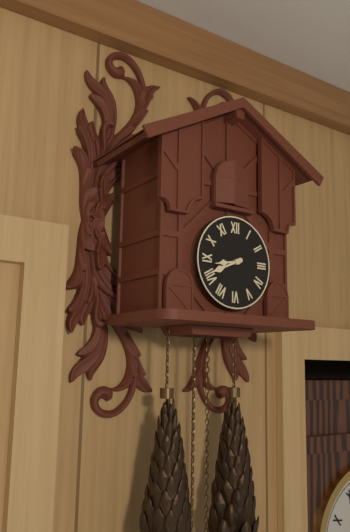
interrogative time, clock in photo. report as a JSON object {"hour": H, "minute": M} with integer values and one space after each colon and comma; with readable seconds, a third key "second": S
{"hour": 8, "minute": 41}
